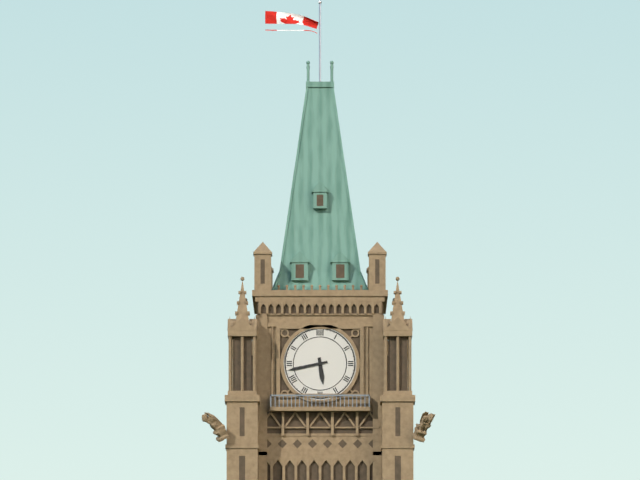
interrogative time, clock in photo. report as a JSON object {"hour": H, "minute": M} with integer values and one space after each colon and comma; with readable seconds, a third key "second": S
{"hour": 5, "minute": 43}
